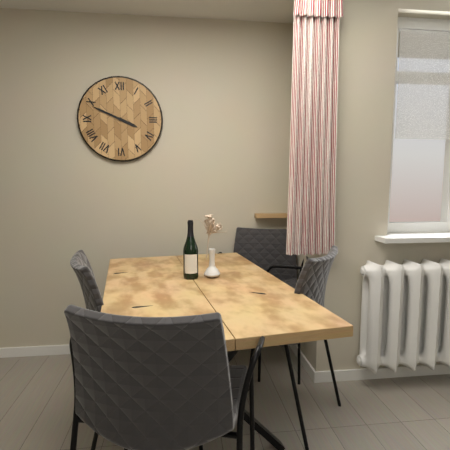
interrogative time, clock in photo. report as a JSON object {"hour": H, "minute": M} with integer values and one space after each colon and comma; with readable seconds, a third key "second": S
{"hour": 3, "minute": 49}
